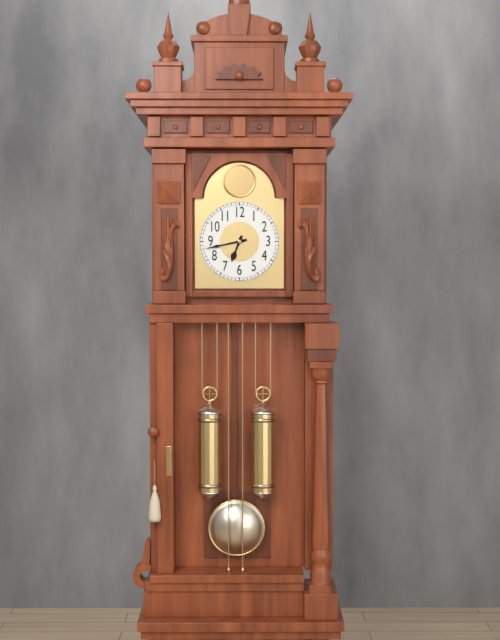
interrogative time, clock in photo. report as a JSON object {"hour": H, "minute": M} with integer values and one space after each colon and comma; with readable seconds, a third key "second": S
{"hour": 6, "minute": 43}
